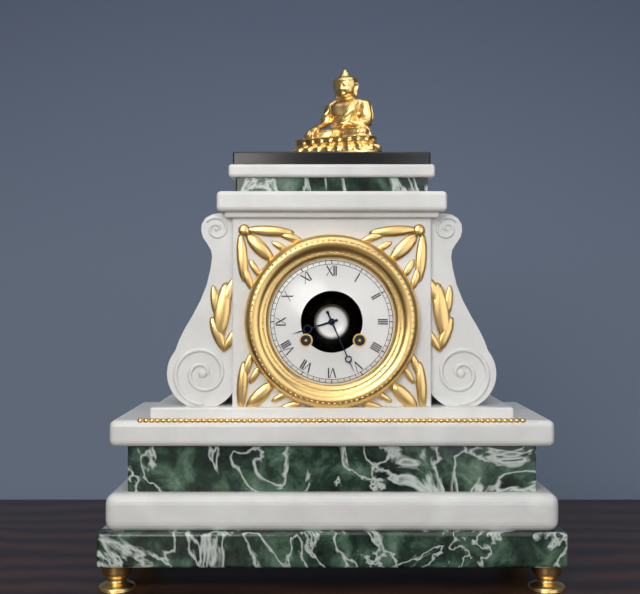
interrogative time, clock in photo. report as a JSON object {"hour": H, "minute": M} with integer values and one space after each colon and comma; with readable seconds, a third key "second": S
{"hour": 8, "minute": 26}
